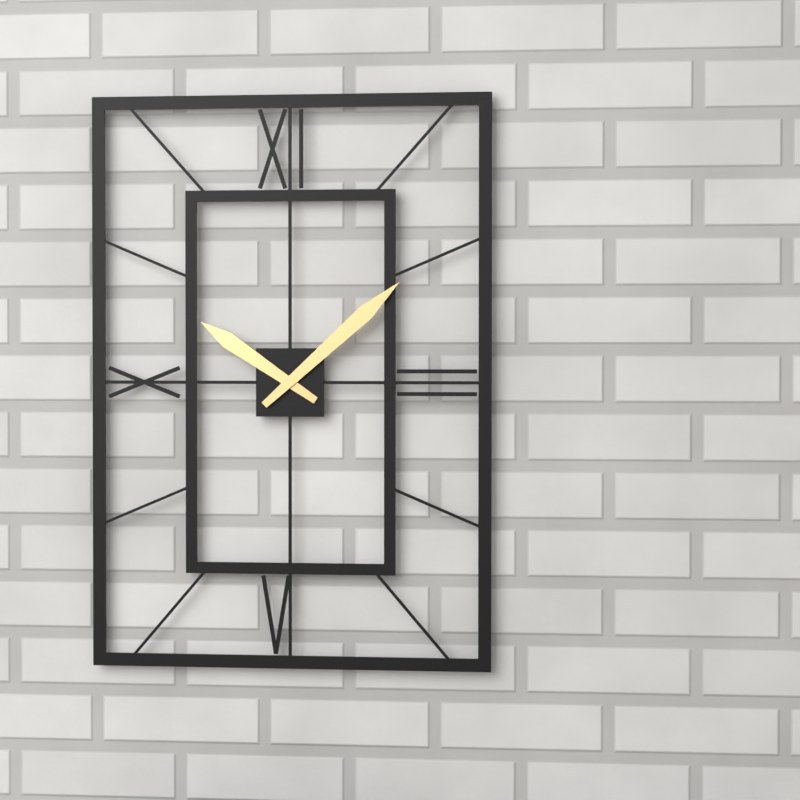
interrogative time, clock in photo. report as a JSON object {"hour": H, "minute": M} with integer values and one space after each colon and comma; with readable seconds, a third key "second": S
{"hour": 10, "minute": 8}
